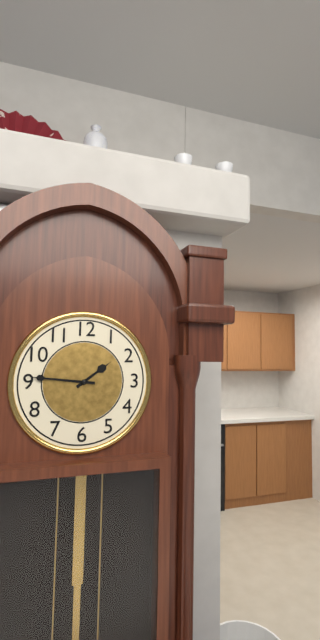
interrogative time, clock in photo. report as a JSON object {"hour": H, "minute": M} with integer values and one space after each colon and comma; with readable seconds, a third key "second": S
{"hour": 1, "minute": 46}
